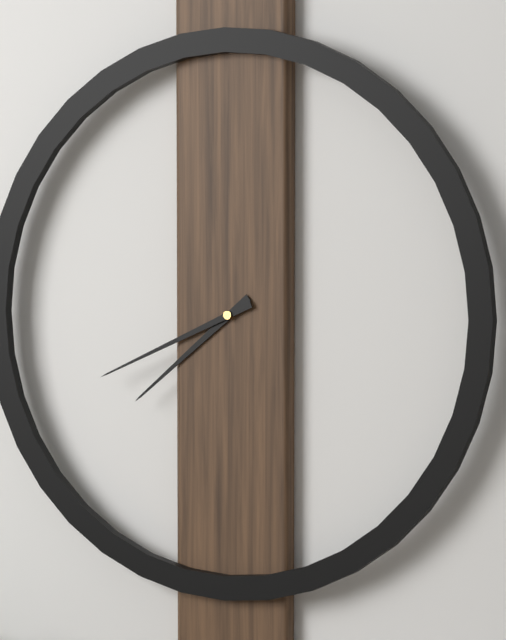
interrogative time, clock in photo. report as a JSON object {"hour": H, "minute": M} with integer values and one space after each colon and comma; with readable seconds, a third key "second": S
{"hour": 7, "minute": 41}
